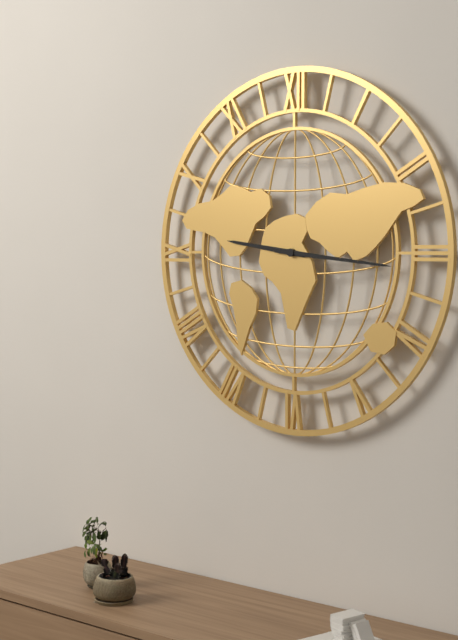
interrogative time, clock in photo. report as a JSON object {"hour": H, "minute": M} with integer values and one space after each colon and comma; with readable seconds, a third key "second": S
{"hour": 9, "minute": 16}
